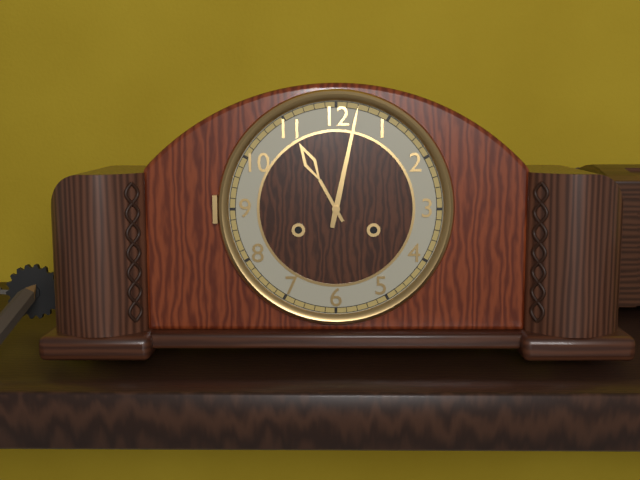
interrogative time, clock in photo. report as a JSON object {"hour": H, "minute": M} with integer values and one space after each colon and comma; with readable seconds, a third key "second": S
{"hour": 11, "minute": 2}
